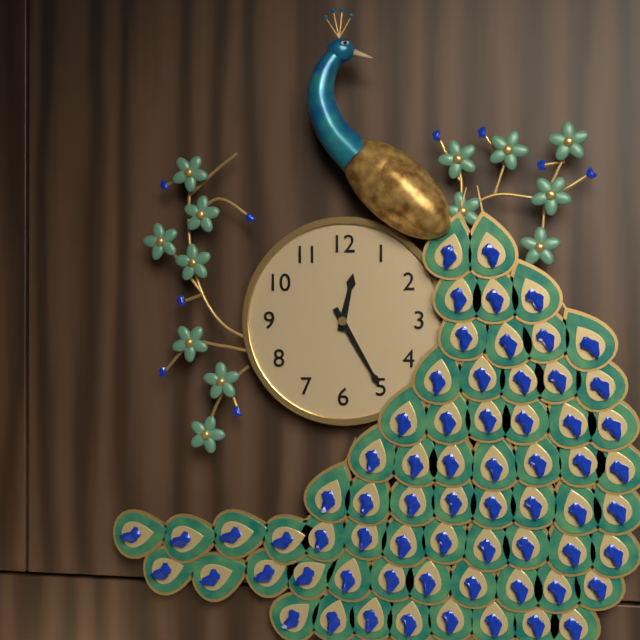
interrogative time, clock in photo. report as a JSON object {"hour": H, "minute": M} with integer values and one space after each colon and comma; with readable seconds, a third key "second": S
{"hour": 12, "minute": 25}
